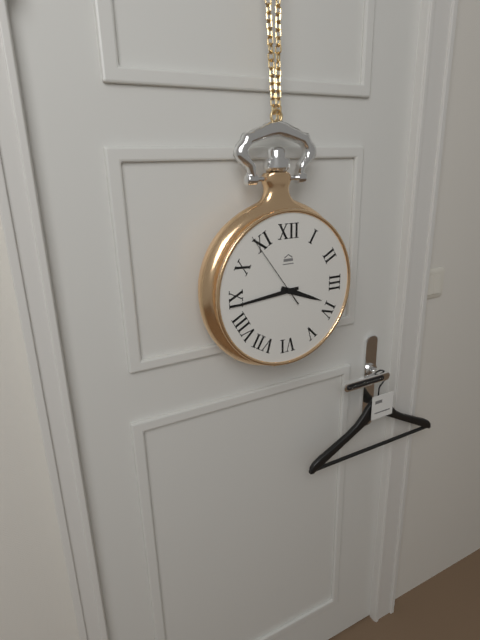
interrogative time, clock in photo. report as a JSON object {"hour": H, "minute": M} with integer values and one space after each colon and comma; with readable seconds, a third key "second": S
{"hour": 3, "minute": 44, "second": 54}
